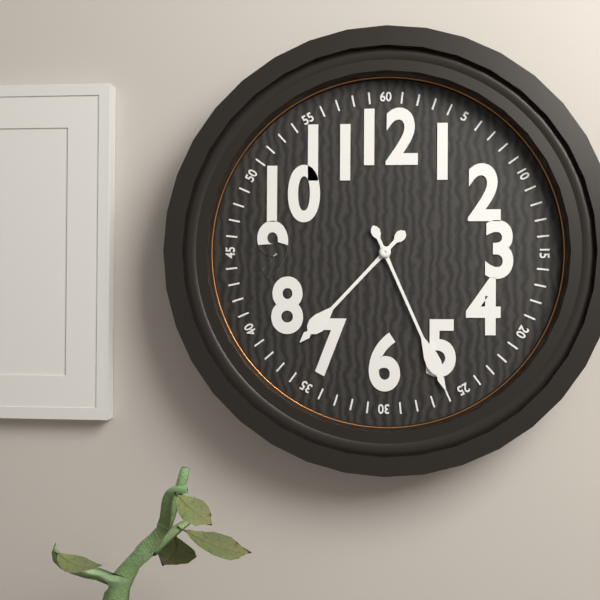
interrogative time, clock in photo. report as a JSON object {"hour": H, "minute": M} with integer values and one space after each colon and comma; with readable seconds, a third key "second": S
{"hour": 7, "minute": 26}
